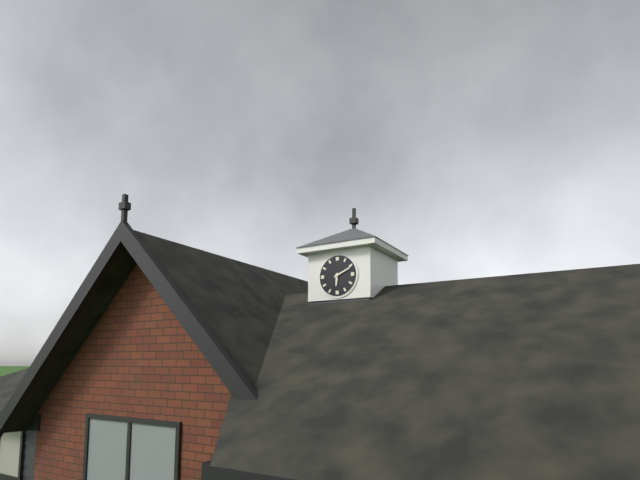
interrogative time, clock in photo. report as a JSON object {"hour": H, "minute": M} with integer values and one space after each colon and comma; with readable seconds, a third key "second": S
{"hour": 6, "minute": 11}
